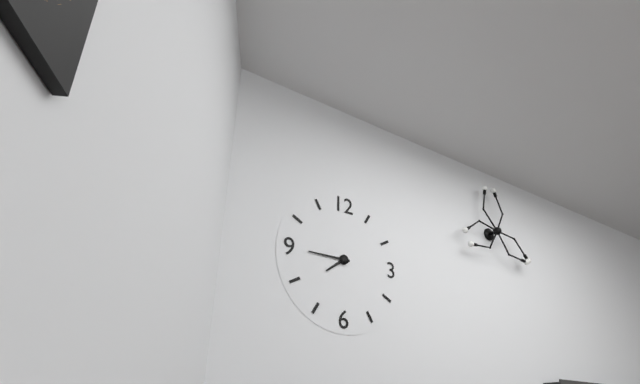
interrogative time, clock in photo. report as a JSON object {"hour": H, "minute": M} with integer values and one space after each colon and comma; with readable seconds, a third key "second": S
{"hour": 7, "minute": 45}
